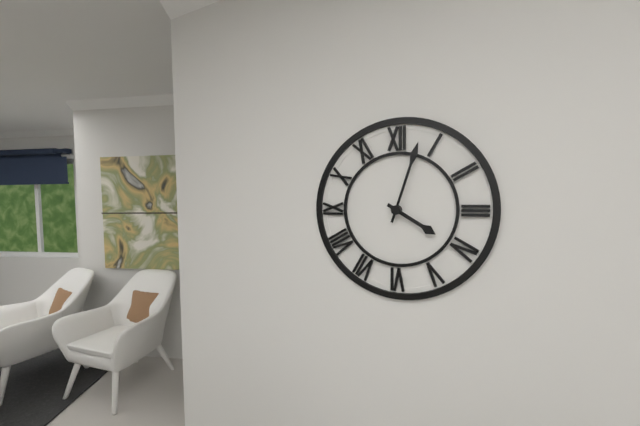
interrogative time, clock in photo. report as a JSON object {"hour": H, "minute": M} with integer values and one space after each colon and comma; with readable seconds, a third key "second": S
{"hour": 4, "minute": 3}
